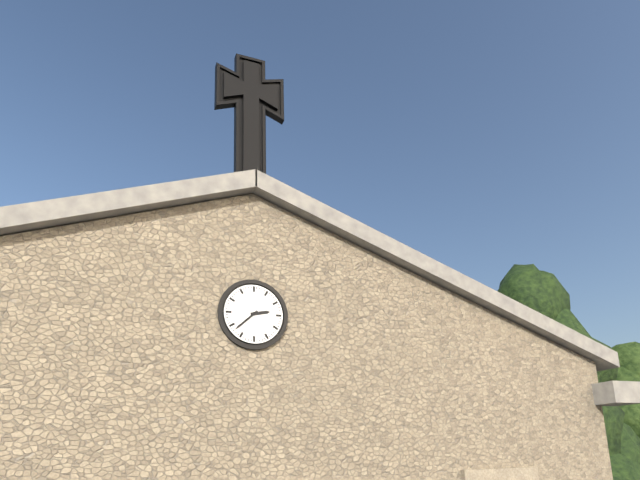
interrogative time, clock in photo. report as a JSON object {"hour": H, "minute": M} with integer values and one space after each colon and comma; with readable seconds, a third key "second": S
{"hour": 2, "minute": 38}
